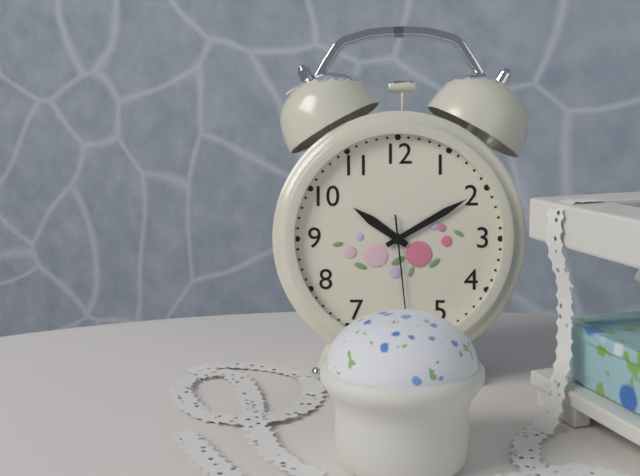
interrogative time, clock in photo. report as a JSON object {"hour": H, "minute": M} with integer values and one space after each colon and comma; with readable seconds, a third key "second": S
{"hour": 10, "minute": 10, "second": 29}
